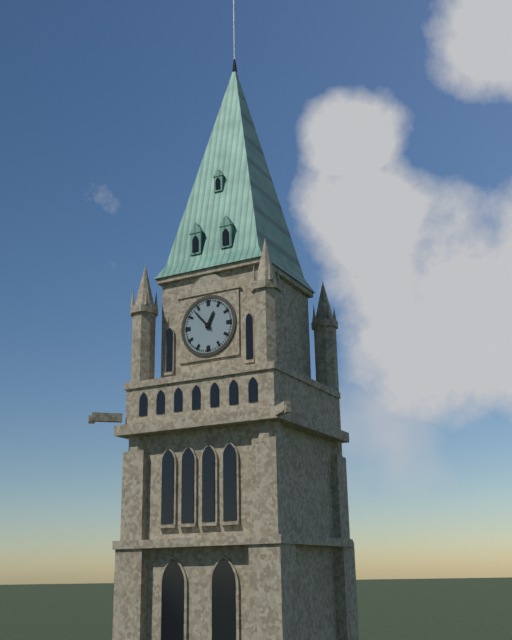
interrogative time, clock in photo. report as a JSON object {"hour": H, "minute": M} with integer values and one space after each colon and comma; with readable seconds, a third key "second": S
{"hour": 12, "minute": 53}
